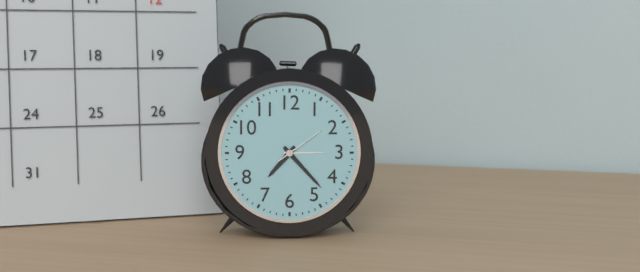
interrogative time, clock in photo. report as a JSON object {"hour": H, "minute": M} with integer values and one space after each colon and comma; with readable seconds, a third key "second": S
{"hour": 7, "minute": 23, "second": 9}
